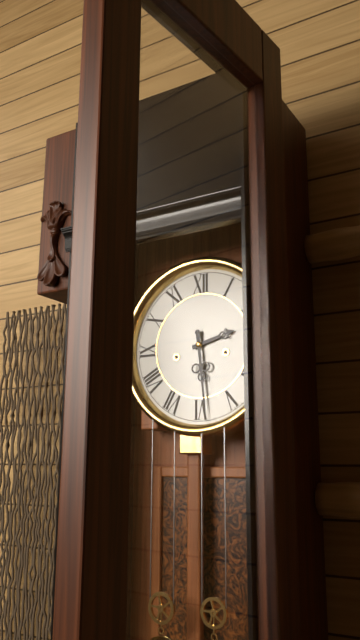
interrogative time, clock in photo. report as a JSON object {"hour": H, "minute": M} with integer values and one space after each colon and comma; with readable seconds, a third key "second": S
{"hour": 2, "minute": 29}
